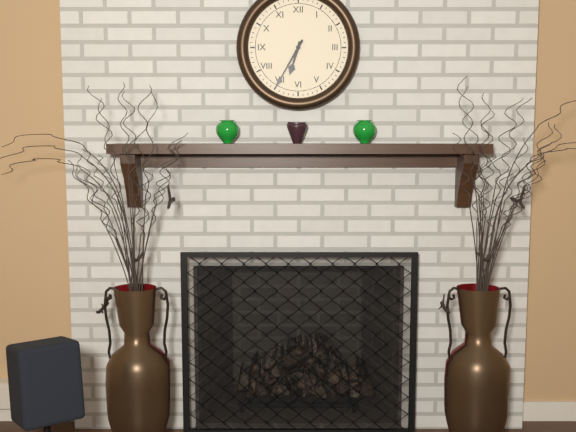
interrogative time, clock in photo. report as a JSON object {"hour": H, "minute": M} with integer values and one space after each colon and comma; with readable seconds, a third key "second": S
{"hour": 6, "minute": 35}
